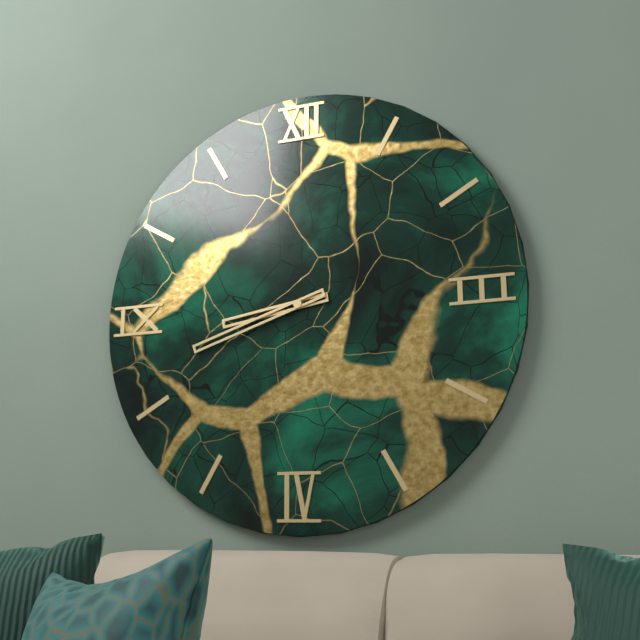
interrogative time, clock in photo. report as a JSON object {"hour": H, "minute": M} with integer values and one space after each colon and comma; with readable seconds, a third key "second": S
{"hour": 8, "minute": 42}
